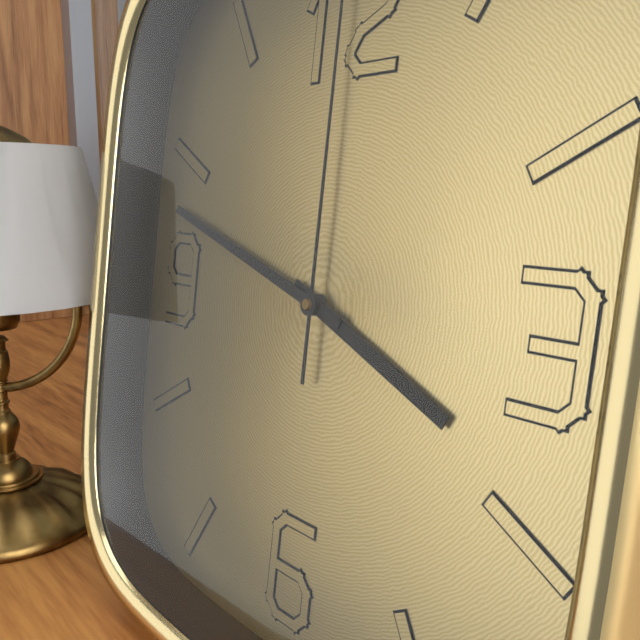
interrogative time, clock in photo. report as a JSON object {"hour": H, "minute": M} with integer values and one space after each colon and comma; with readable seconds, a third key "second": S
{"hour": 3, "minute": 48}
